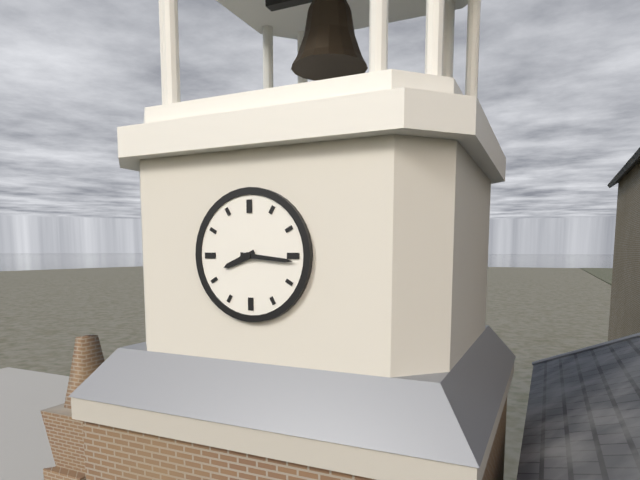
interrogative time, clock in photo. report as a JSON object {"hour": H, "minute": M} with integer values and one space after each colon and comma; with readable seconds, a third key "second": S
{"hour": 8, "minute": 16}
